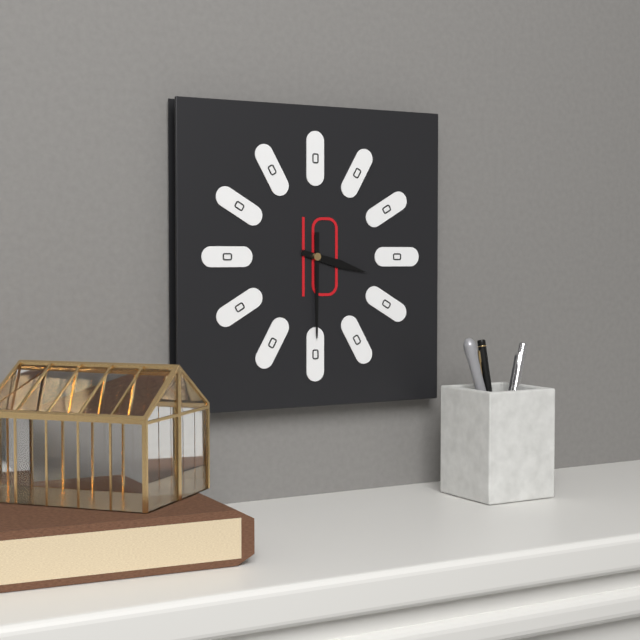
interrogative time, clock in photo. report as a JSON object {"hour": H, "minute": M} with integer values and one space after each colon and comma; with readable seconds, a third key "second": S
{"hour": 3, "minute": 30}
